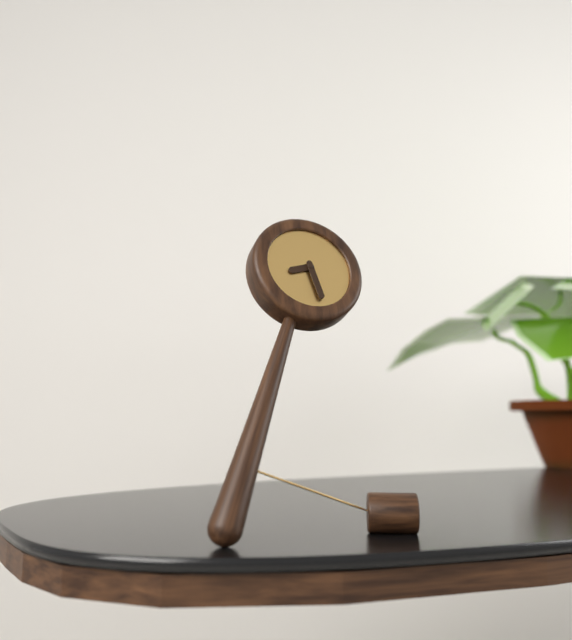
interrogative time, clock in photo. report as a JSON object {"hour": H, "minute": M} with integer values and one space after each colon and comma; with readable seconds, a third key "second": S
{"hour": 8, "minute": 28}
